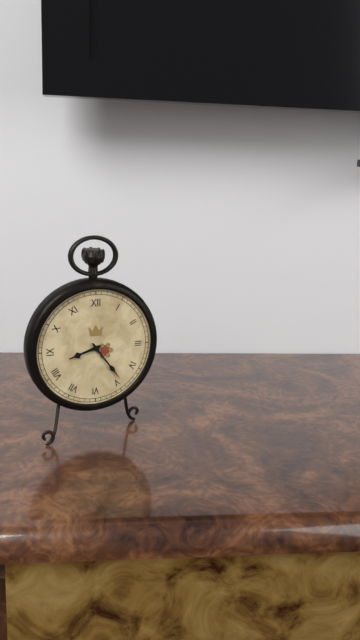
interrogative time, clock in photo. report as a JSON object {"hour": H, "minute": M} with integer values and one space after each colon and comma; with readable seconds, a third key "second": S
{"hour": 8, "minute": 24}
